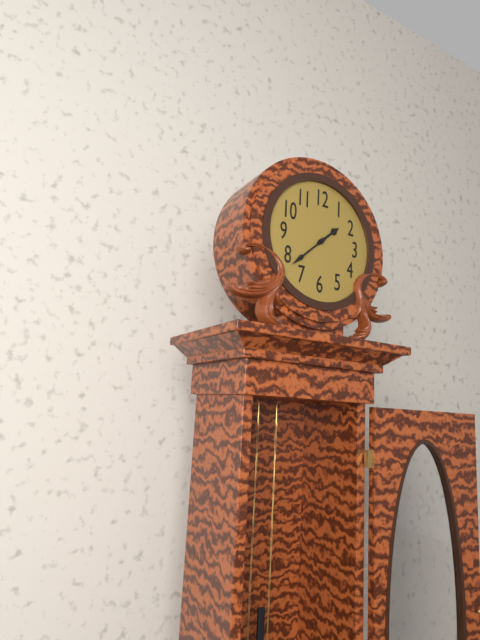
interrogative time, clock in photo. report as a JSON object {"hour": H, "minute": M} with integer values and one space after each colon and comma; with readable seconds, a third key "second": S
{"hour": 1, "minute": 38}
